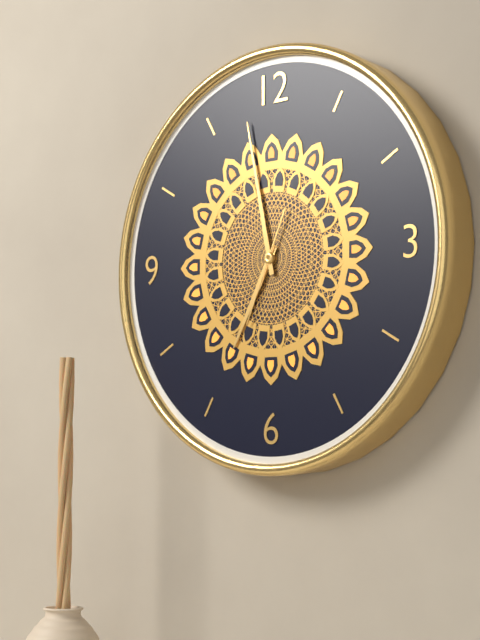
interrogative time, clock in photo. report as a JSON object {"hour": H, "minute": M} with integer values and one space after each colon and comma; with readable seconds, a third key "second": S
{"hour": 6, "minute": 58, "second": 34}
